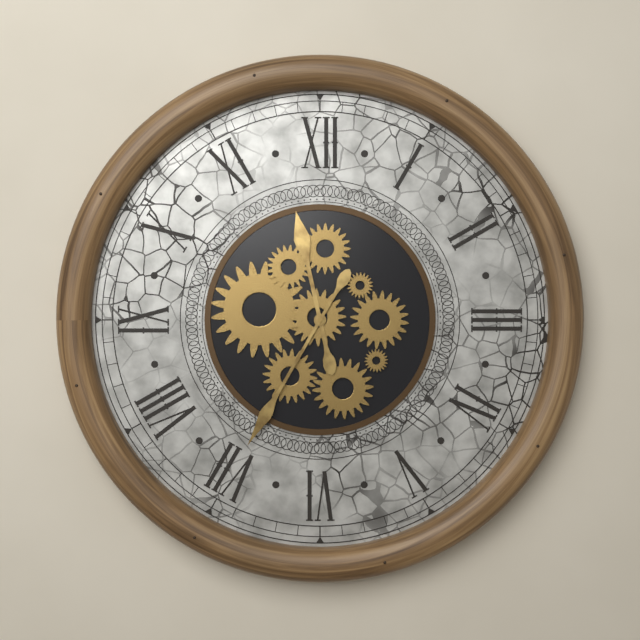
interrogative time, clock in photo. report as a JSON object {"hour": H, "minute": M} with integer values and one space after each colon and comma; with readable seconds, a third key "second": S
{"hour": 11, "minute": 35}
